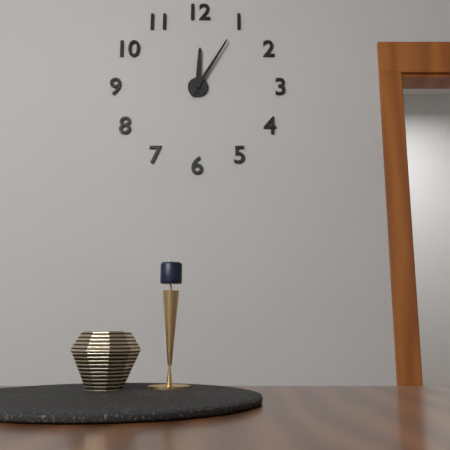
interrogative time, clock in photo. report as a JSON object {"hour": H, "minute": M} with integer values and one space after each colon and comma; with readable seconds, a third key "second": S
{"hour": 12, "minute": 5}
